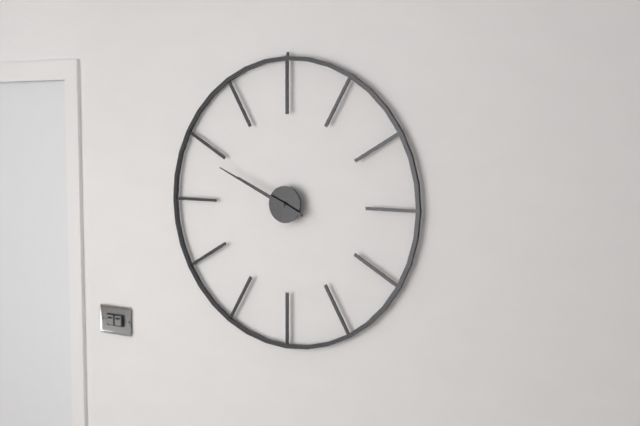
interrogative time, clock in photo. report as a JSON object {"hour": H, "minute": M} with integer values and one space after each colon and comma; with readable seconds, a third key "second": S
{"hour": 9, "minute": 49}
